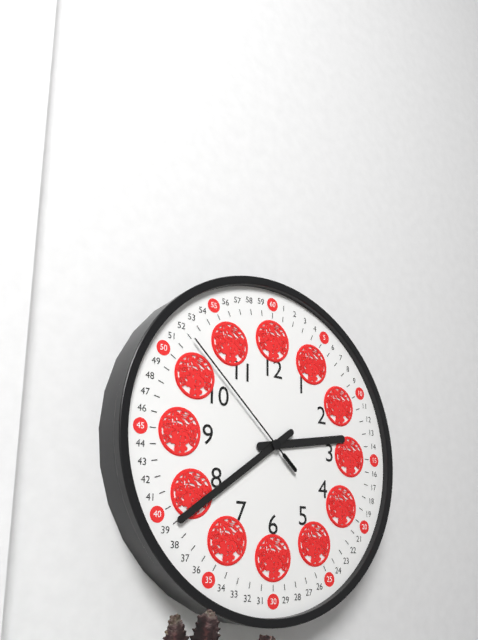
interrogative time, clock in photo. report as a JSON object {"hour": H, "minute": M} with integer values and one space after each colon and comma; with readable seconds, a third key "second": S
{"hour": 2, "minute": 39, "second": 52}
